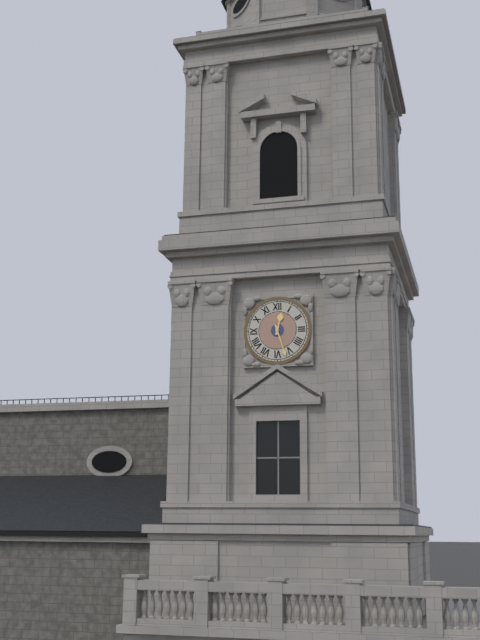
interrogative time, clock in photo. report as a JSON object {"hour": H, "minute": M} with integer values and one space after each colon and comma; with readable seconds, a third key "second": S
{"hour": 12, "minute": 27}
